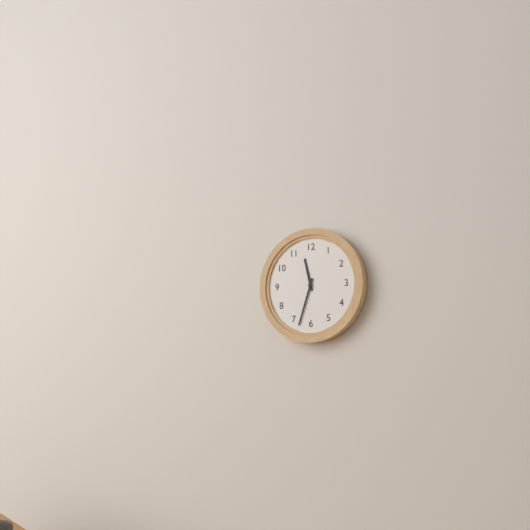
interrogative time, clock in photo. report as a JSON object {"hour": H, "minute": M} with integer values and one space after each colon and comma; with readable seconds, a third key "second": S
{"hour": 11, "minute": 33}
